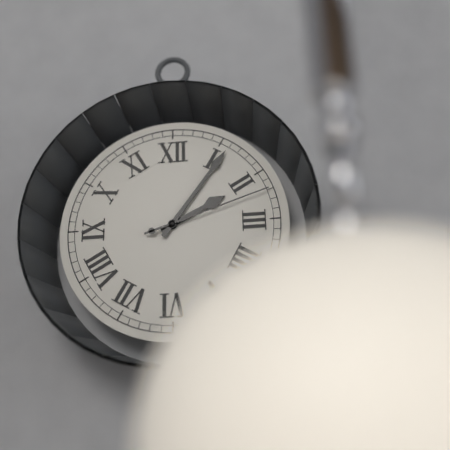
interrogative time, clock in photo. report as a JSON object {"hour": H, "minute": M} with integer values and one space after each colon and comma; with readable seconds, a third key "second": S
{"hour": 2, "minute": 6, "second": 12}
